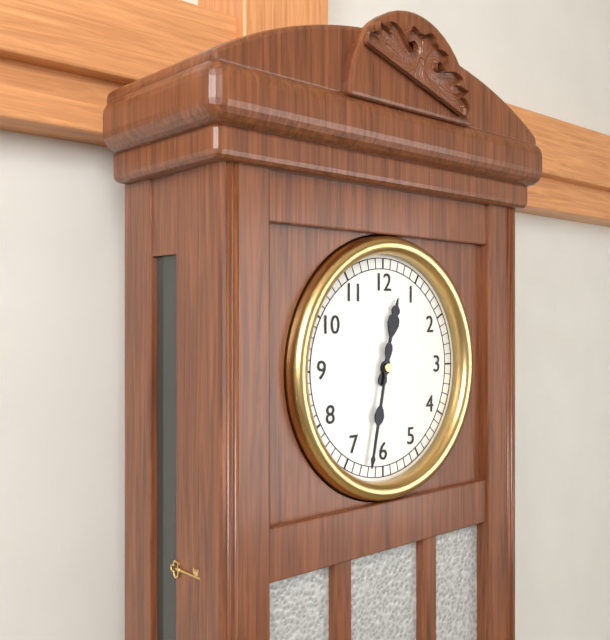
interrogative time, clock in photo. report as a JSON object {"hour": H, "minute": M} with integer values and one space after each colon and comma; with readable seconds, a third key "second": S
{"hour": 12, "minute": 32}
